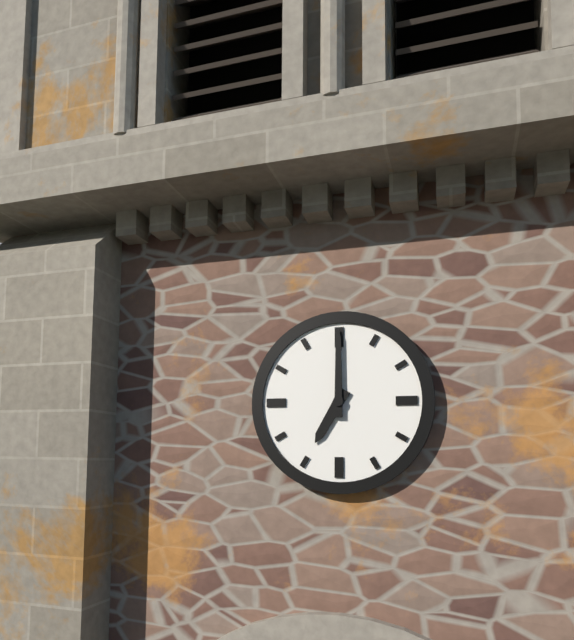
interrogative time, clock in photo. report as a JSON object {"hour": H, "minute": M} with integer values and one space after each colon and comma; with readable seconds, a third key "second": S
{"hour": 7, "minute": 0}
